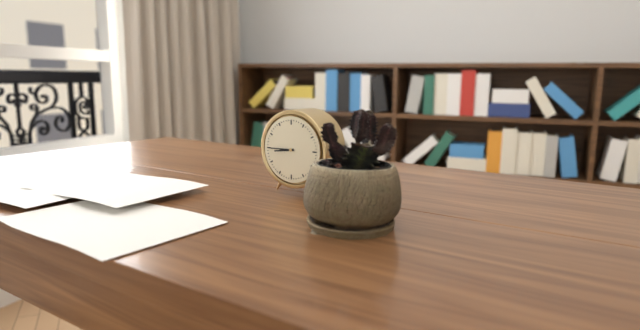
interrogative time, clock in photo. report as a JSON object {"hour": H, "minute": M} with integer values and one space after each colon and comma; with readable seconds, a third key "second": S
{"hour": 8, "minute": 45}
